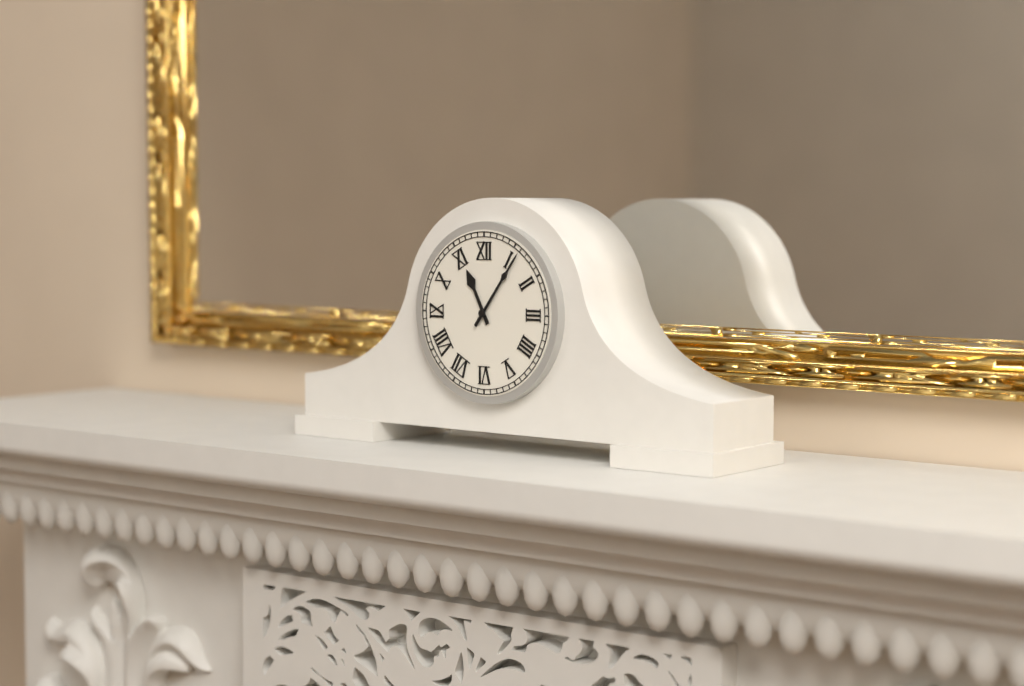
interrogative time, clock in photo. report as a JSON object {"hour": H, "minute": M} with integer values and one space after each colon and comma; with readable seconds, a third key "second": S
{"hour": 11, "minute": 6}
